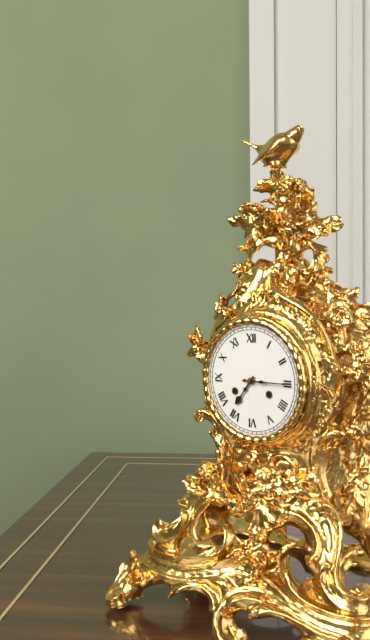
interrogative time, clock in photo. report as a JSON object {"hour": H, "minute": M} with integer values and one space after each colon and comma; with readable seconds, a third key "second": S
{"hour": 7, "minute": 15}
